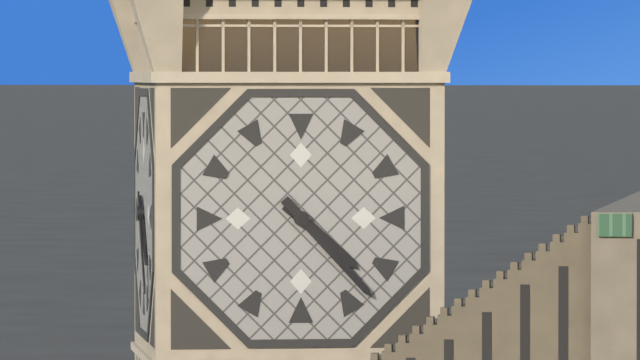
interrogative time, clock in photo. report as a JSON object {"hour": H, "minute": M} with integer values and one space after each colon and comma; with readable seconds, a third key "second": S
{"hour": 4, "minute": 23}
